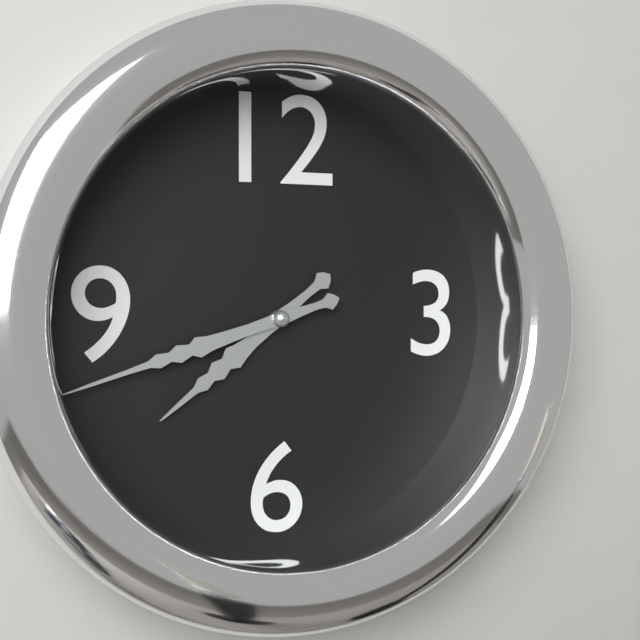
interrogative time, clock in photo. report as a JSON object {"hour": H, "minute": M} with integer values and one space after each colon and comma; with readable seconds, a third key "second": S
{"hour": 7, "minute": 42}
